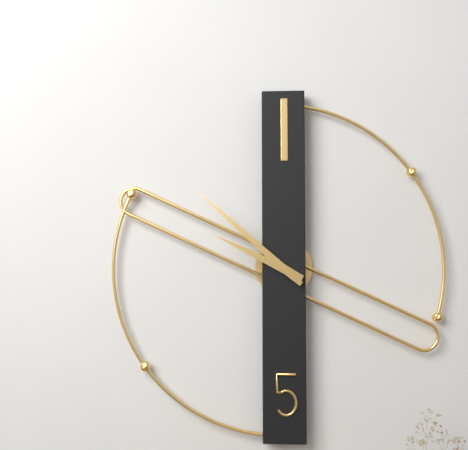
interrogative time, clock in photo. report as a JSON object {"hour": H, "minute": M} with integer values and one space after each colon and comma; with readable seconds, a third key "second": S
{"hour": 9, "minute": 52}
